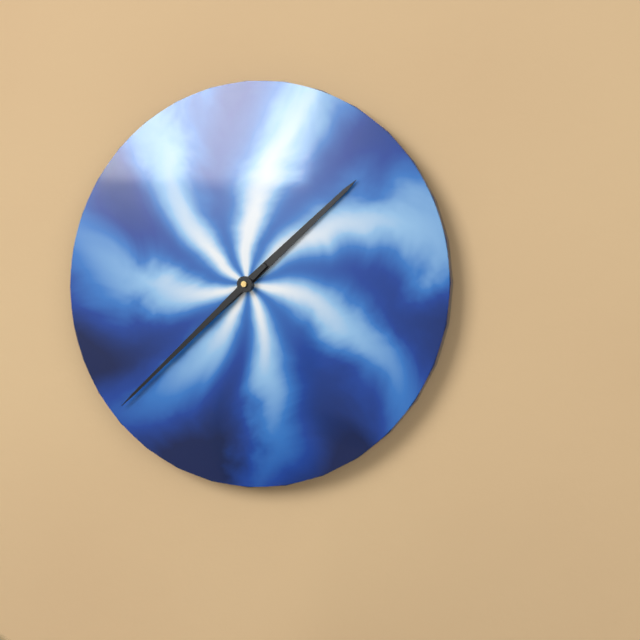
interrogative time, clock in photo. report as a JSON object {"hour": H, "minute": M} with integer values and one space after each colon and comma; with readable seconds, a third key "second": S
{"hour": 1, "minute": 38}
